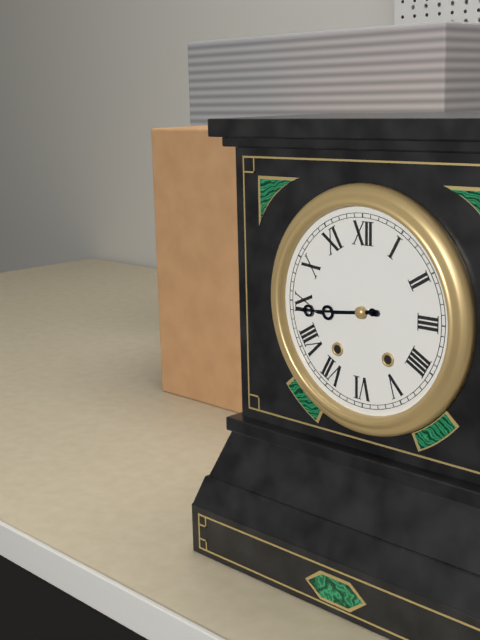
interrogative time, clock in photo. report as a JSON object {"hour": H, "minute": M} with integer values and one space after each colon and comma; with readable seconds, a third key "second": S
{"hour": 8, "minute": 44}
